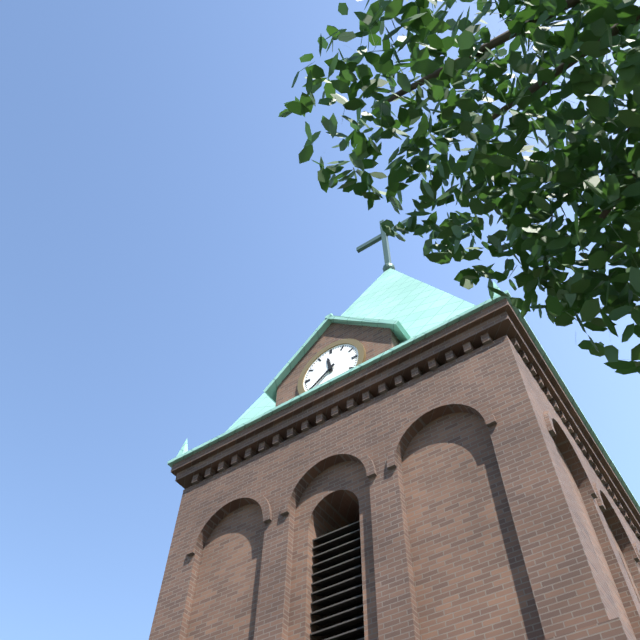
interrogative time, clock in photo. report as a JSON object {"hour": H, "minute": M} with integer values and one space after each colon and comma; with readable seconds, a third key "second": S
{"hour": 11, "minute": 39}
